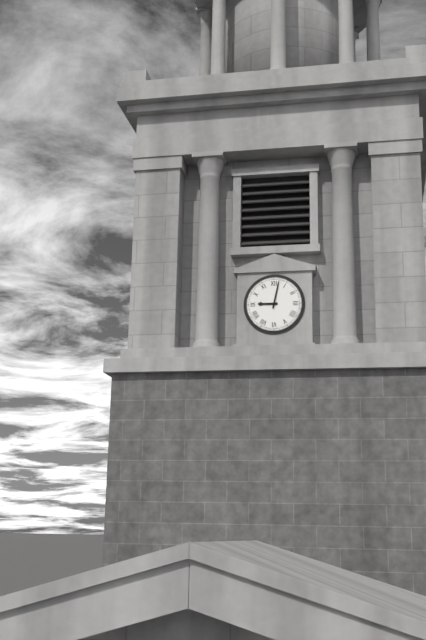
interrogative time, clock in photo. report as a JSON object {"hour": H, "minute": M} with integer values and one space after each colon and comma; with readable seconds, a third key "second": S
{"hour": 9, "minute": 2}
